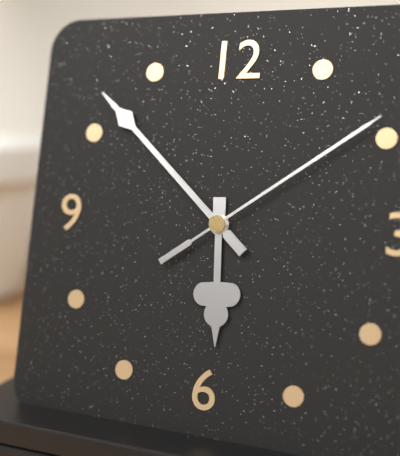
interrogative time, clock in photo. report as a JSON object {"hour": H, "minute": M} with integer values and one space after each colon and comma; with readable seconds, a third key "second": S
{"hour": 5, "minute": 52, "second": 9}
